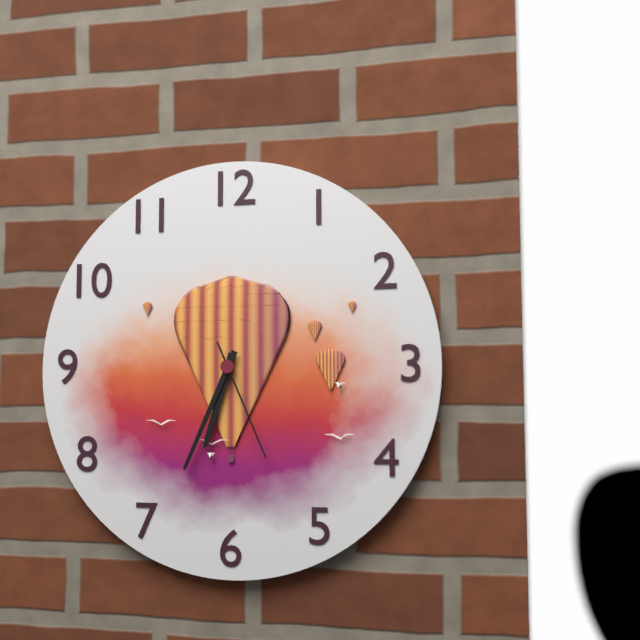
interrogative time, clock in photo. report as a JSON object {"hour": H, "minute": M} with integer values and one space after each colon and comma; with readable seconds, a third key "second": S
{"hour": 6, "minute": 34, "second": 26}
